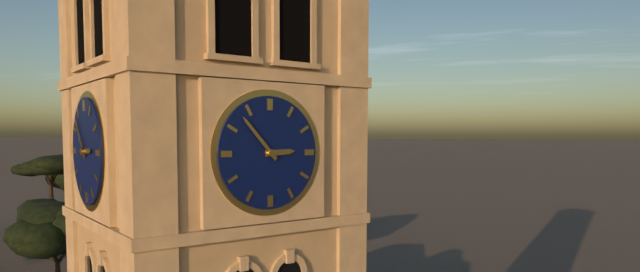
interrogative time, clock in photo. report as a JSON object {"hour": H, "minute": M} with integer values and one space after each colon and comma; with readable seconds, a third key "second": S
{"hour": 2, "minute": 53}
